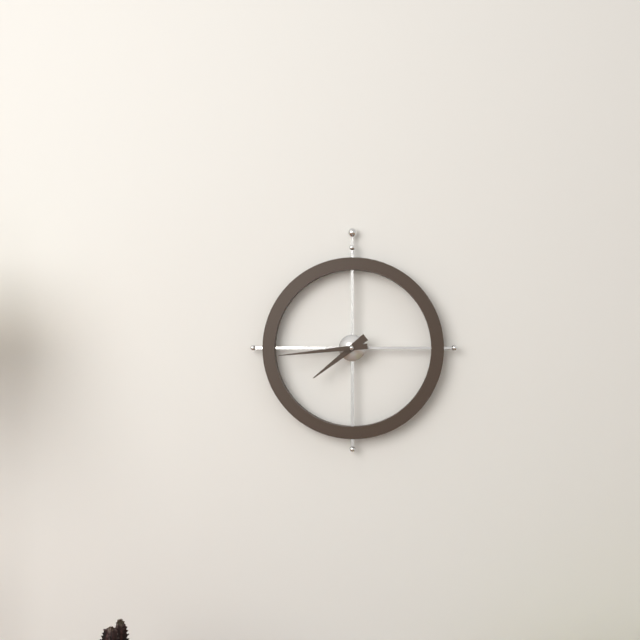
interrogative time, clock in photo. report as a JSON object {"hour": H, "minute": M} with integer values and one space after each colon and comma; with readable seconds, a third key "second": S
{"hour": 7, "minute": 44}
